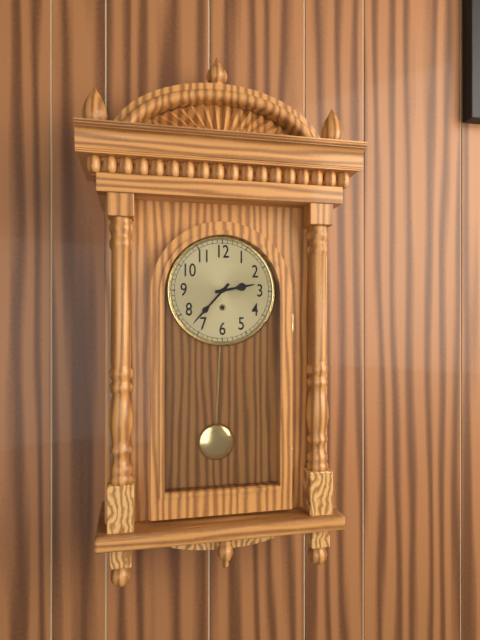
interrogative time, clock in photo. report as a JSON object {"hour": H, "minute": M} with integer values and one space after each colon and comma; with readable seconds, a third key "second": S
{"hour": 2, "minute": 37}
